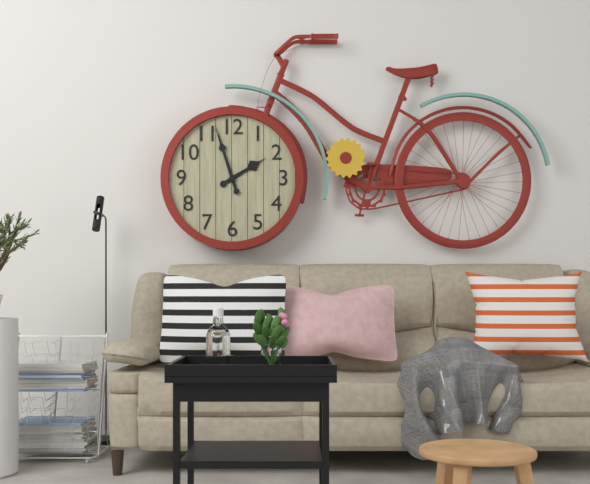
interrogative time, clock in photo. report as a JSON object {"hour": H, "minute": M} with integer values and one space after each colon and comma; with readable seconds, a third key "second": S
{"hour": 1, "minute": 57}
